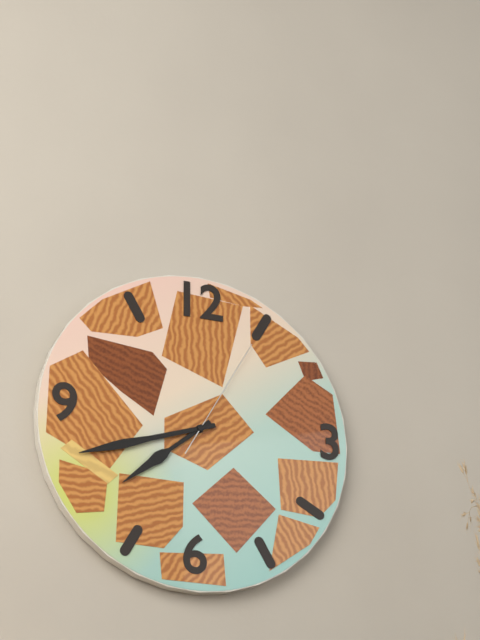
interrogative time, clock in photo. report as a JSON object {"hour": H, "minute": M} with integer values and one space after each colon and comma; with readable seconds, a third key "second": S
{"hour": 7, "minute": 42, "second": 5}
